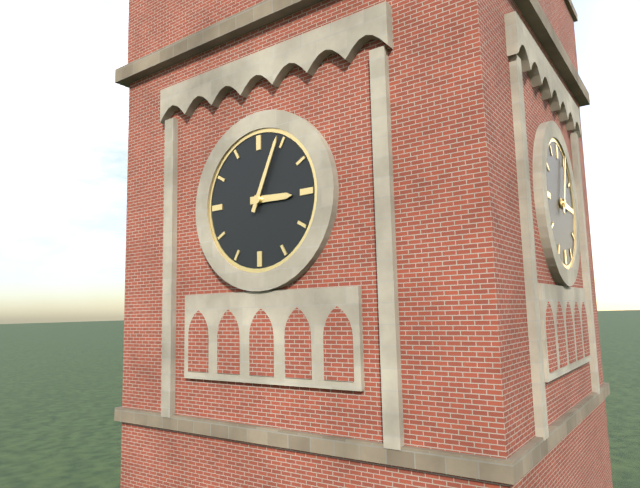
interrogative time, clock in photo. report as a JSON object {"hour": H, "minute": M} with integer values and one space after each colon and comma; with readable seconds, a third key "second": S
{"hour": 3, "minute": 4}
